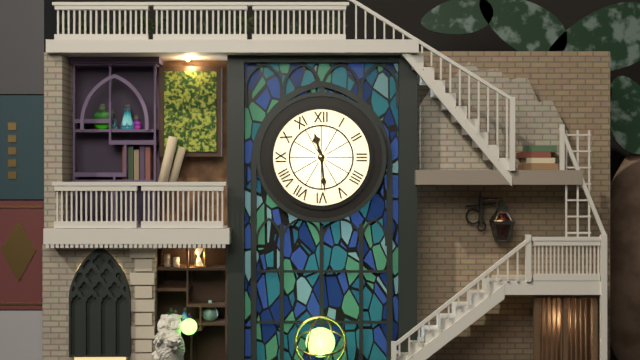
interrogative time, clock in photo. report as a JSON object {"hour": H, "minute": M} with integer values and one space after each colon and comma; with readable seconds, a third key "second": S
{"hour": 11, "minute": 29}
